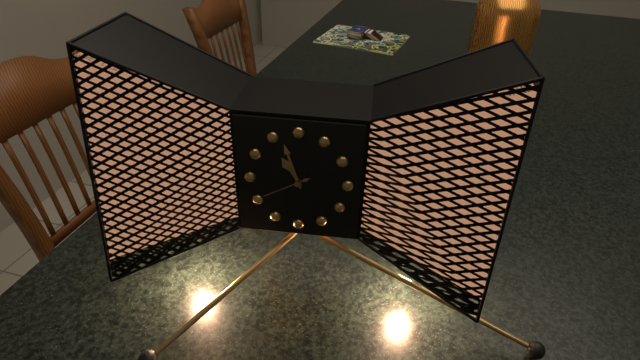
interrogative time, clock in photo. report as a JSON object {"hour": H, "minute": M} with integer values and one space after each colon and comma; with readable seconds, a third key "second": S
{"hour": 10, "minute": 57}
